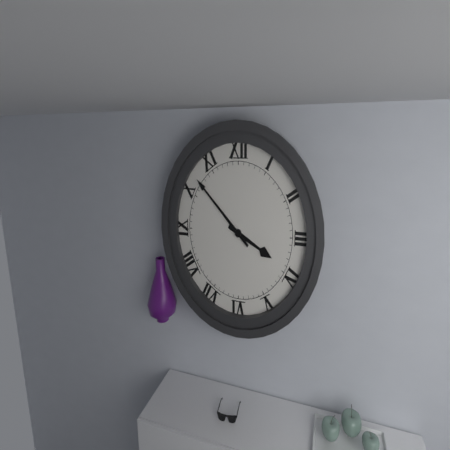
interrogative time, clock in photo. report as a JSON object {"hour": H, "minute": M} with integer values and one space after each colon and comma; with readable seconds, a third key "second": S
{"hour": 3, "minute": 52}
